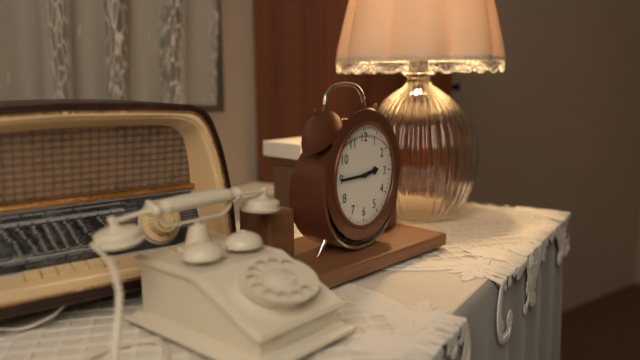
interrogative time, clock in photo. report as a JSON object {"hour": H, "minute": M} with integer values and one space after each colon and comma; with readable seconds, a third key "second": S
{"hour": 2, "minute": 45}
